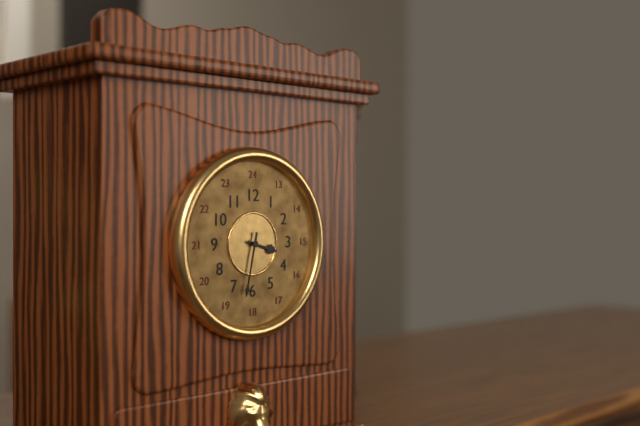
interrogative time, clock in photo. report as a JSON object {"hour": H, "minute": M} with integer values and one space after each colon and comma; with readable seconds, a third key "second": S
{"hour": 3, "minute": 32}
